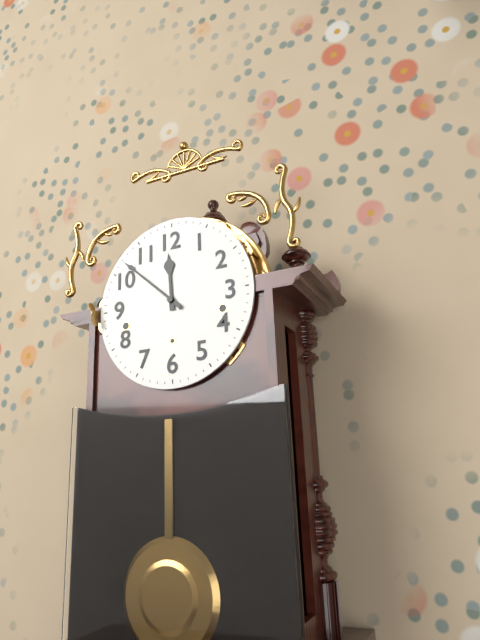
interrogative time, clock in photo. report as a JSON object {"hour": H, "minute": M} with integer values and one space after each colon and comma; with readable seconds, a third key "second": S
{"hour": 11, "minute": 52}
